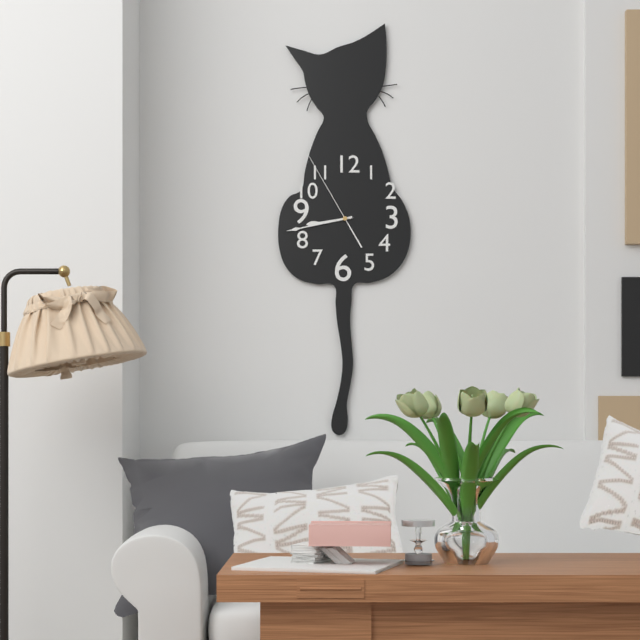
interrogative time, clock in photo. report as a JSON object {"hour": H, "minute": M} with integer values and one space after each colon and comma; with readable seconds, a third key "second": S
{"hour": 8, "minute": 43, "second": 55}
